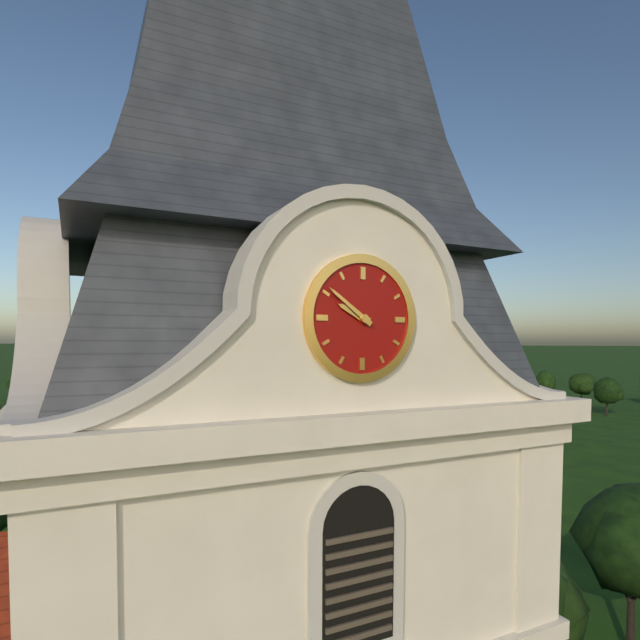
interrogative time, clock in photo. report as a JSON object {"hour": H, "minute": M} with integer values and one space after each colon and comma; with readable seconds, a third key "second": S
{"hour": 9, "minute": 51}
